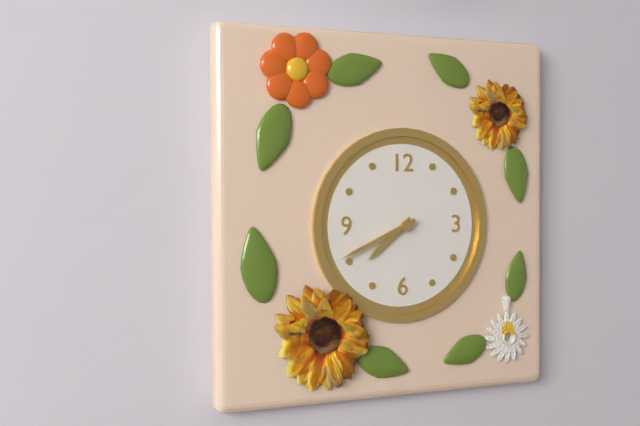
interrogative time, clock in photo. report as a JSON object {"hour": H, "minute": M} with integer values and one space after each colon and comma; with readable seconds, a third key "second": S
{"hour": 7, "minute": 41}
